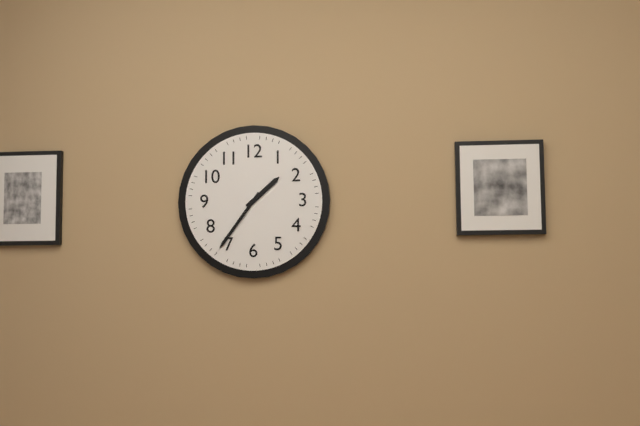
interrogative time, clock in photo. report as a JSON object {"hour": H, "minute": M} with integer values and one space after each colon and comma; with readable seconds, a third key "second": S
{"hour": 1, "minute": 36}
